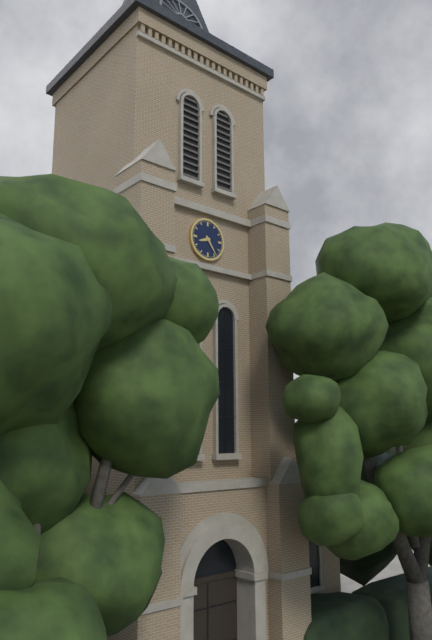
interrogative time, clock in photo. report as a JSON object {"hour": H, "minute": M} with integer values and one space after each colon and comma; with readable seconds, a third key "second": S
{"hour": 8, "minute": 24}
